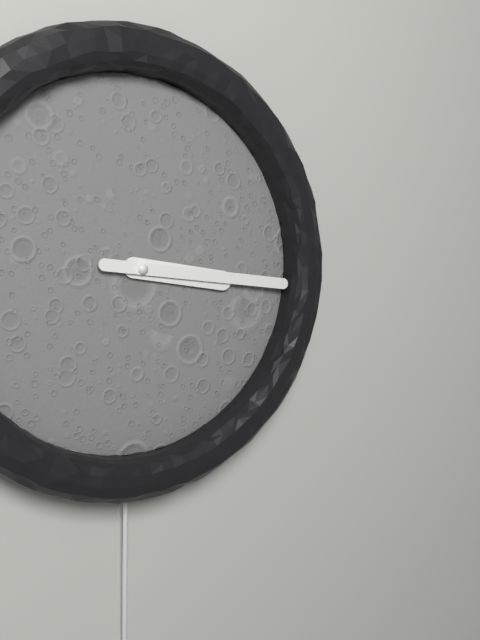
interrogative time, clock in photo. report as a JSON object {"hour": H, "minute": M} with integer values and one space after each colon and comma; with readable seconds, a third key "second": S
{"hour": 3, "minute": 16}
